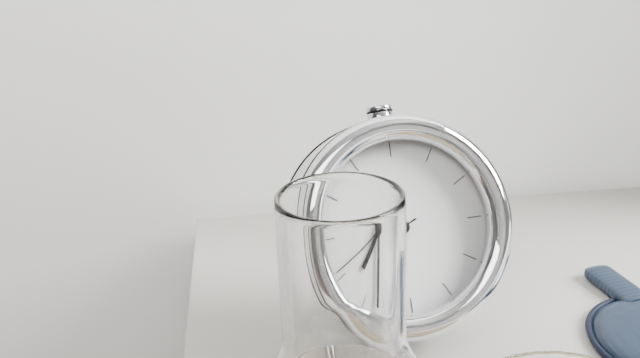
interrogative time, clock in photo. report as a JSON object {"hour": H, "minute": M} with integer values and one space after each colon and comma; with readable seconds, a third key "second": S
{"hour": 7, "minute": 32, "second": 41}
